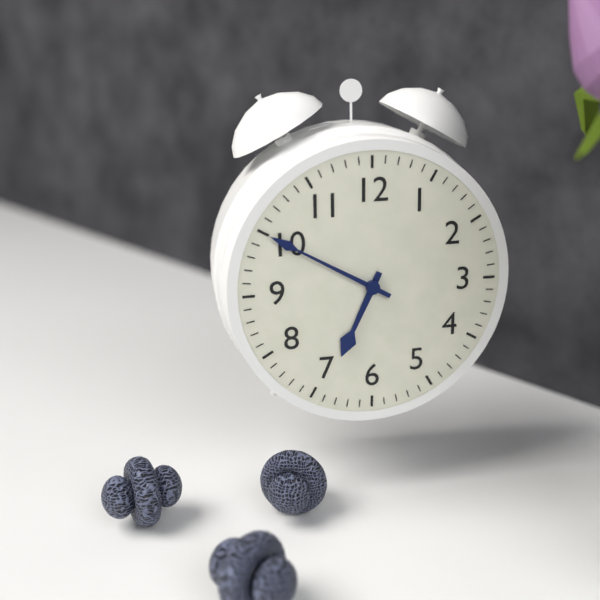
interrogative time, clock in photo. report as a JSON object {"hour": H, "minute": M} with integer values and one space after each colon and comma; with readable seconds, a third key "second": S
{"hour": 6, "minute": 50}
